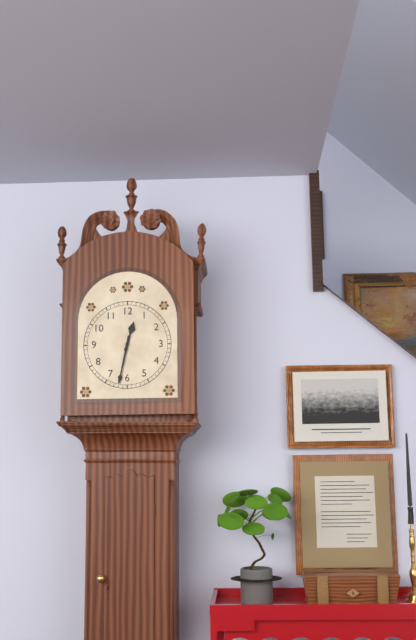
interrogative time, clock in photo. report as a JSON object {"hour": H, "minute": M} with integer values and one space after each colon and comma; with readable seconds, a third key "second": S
{"hour": 12, "minute": 32}
